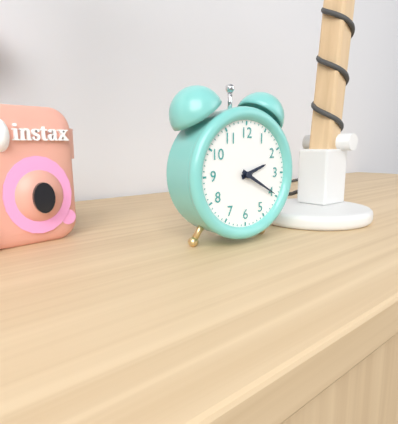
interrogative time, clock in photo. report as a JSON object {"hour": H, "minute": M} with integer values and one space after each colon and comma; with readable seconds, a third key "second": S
{"hour": 2, "minute": 20}
